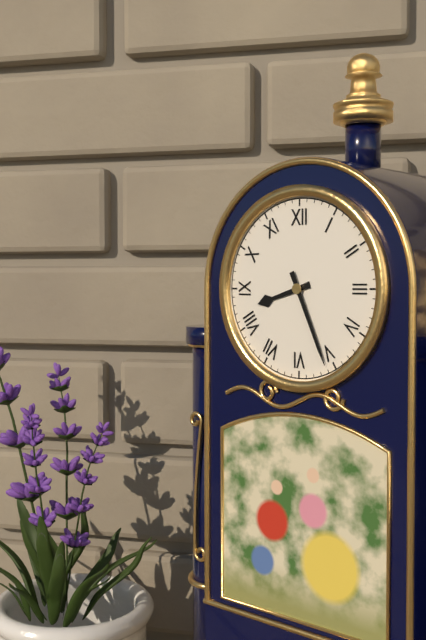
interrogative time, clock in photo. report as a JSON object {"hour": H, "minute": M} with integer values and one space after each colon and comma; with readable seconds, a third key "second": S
{"hour": 8, "minute": 26}
